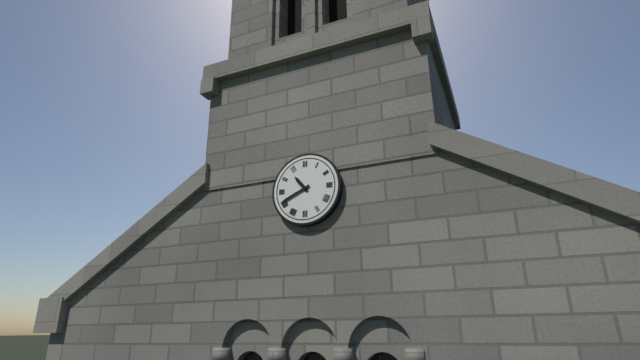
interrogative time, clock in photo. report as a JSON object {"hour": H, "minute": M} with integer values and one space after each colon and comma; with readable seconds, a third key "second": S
{"hour": 10, "minute": 41}
